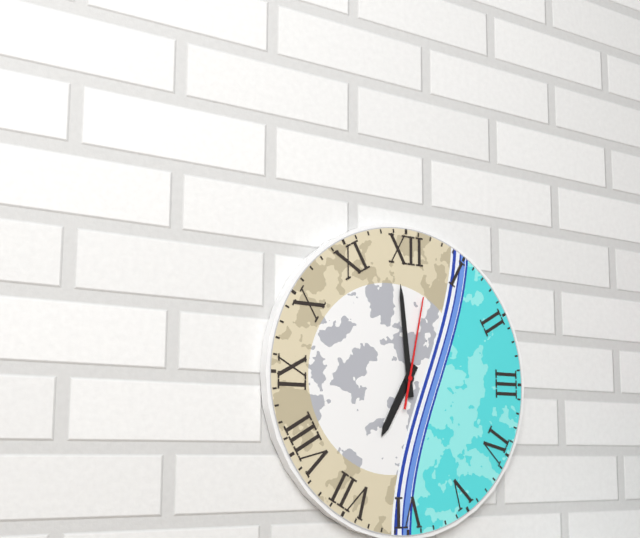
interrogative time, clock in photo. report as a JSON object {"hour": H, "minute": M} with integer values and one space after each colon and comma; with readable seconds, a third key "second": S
{"hour": 6, "minute": 59, "second": 2}
